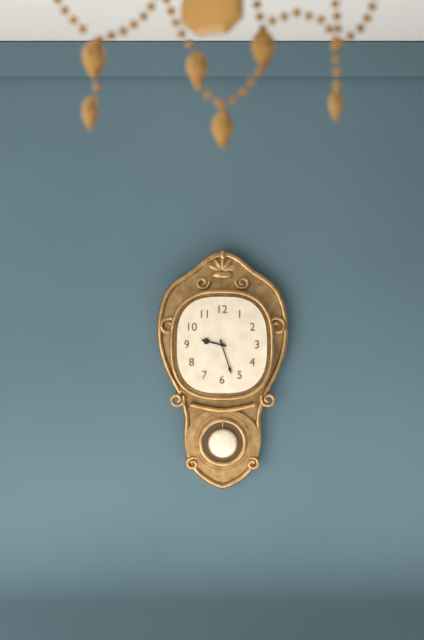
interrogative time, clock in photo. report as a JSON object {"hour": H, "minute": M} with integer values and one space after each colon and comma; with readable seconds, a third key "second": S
{"hour": 9, "minute": 27}
